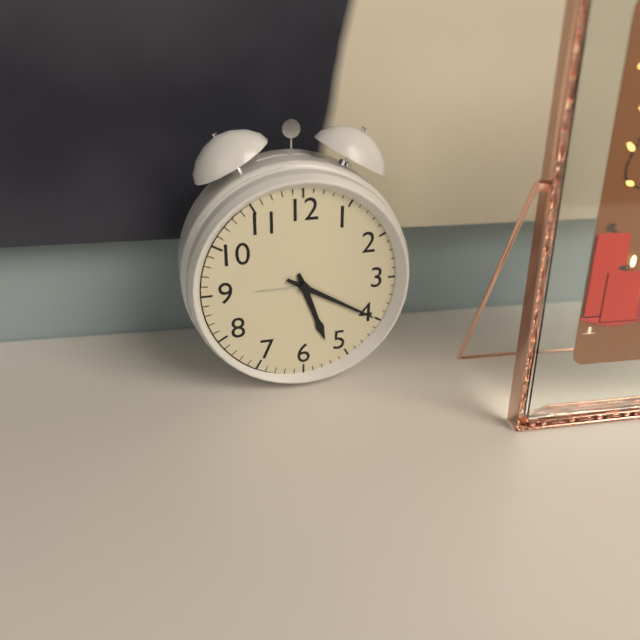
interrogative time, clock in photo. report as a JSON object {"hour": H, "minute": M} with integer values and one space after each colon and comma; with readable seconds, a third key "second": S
{"hour": 5, "minute": 20}
